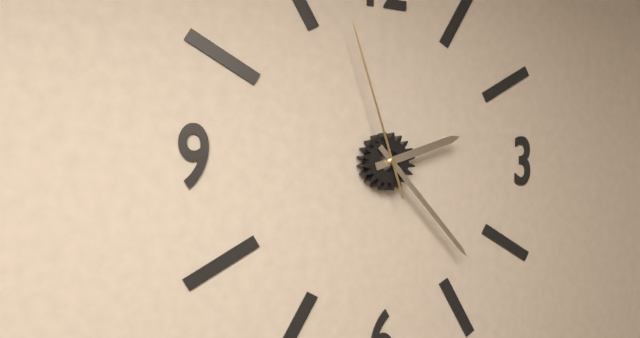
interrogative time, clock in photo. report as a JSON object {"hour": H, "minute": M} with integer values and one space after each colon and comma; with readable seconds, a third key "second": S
{"hour": 2, "minute": 23, "second": 57}
